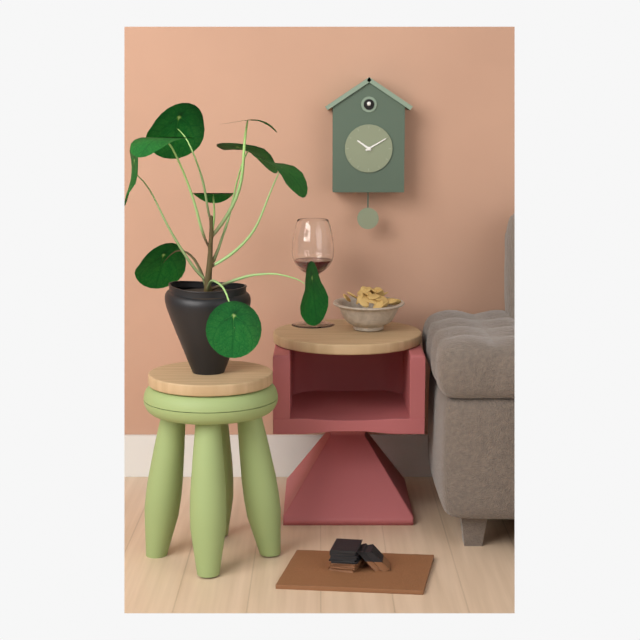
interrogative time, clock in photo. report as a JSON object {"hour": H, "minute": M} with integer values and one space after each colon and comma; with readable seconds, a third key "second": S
{"hour": 10, "minute": 10}
